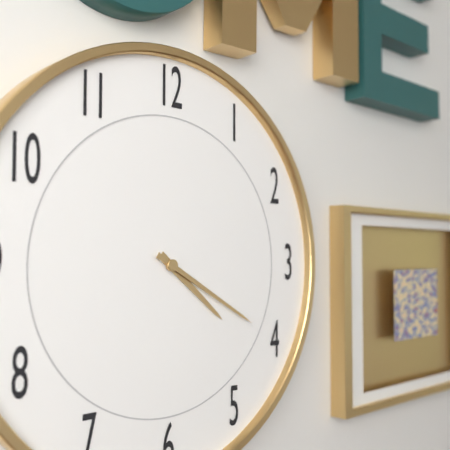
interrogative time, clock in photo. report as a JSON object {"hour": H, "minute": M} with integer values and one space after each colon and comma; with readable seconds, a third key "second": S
{"hour": 4, "minute": 20}
